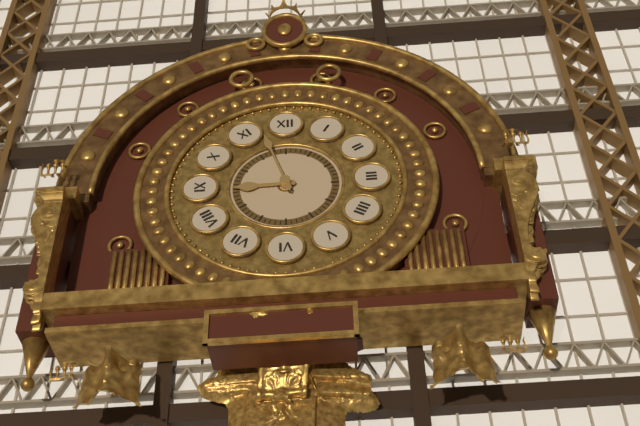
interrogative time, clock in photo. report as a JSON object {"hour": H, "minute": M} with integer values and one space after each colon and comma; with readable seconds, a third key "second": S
{"hour": 8, "minute": 57}
